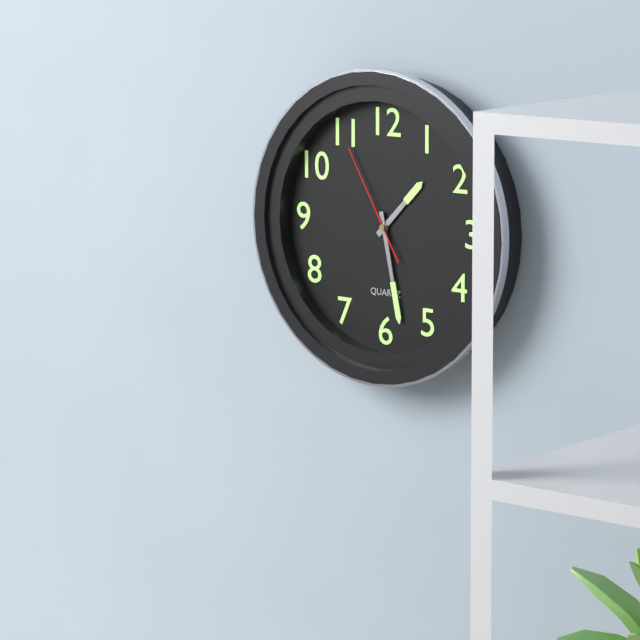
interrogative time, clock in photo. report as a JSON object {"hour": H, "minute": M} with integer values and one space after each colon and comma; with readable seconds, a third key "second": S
{"hour": 1, "minute": 28, "second": 55}
